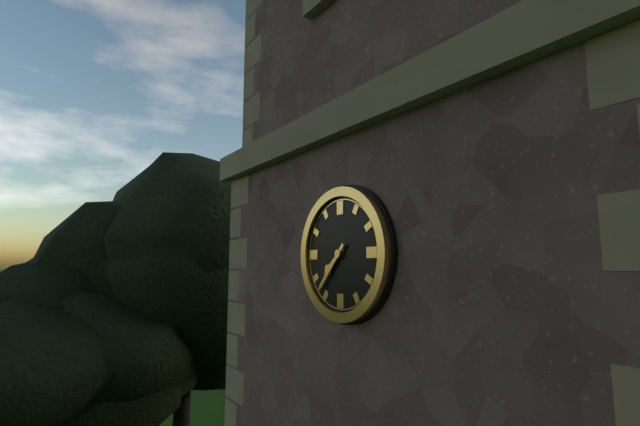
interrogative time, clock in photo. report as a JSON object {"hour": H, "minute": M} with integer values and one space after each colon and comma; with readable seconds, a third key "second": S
{"hour": 7, "minute": 37}
